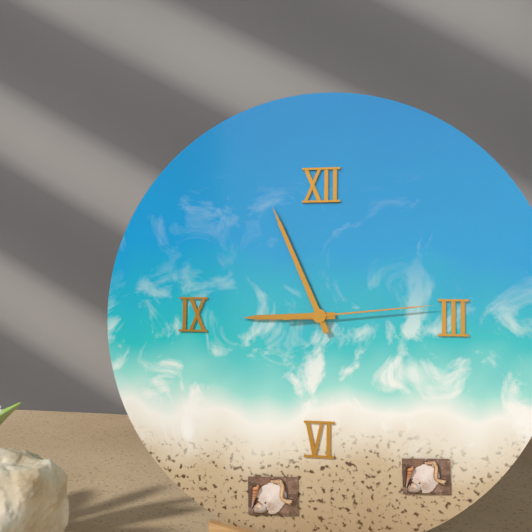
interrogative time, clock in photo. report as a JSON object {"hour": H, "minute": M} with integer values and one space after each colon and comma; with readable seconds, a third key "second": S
{"hour": 8, "minute": 56, "second": 14}
